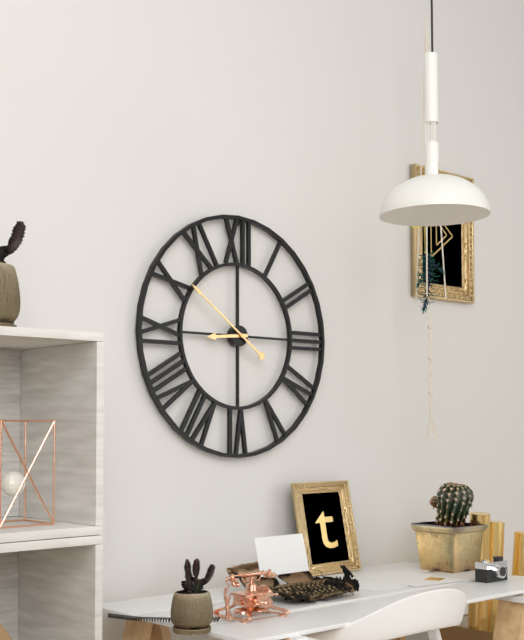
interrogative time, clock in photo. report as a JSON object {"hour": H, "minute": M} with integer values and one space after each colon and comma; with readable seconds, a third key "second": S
{"hour": 8, "minute": 51}
